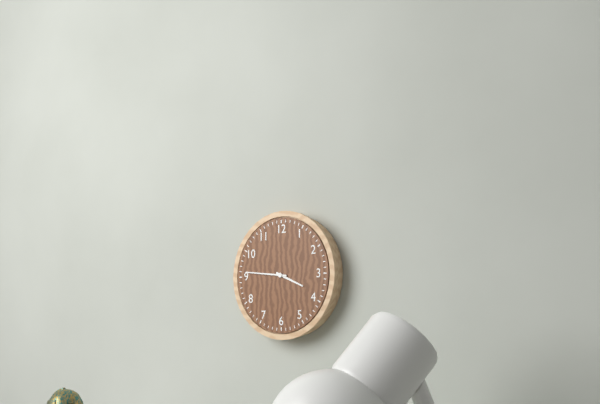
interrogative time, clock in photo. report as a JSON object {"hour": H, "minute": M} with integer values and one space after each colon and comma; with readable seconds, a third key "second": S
{"hour": 3, "minute": 46}
